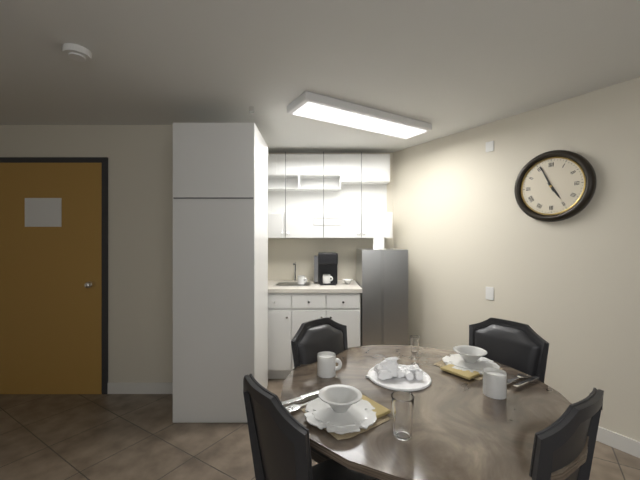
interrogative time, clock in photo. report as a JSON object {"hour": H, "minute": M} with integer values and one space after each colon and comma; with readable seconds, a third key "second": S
{"hour": 4, "minute": 56}
